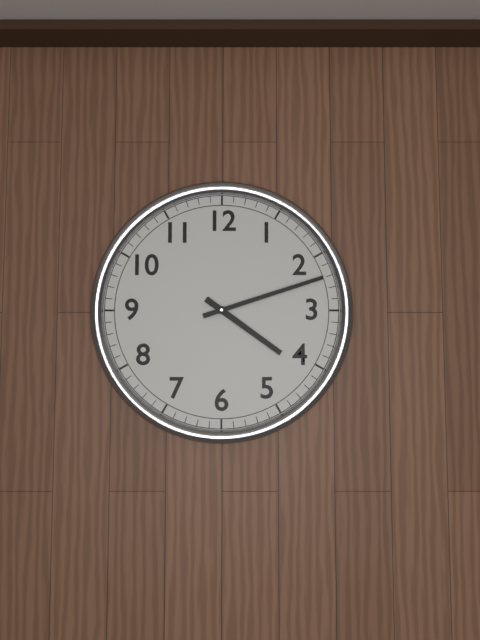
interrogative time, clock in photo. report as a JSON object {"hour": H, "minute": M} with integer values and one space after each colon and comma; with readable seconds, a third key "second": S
{"hour": 4, "minute": 12}
